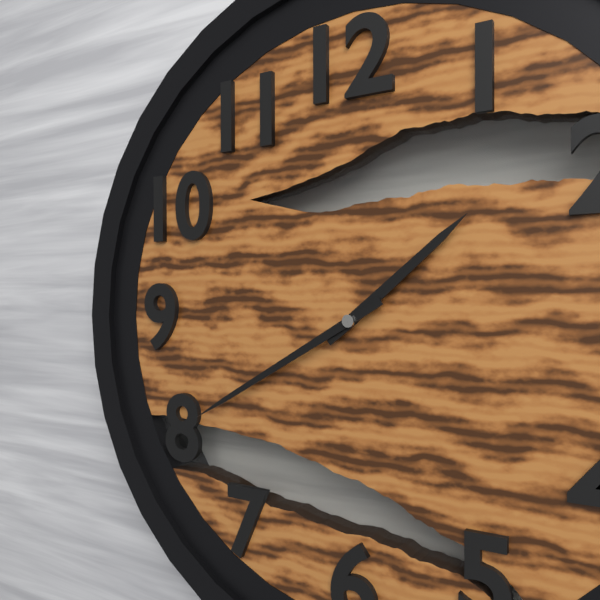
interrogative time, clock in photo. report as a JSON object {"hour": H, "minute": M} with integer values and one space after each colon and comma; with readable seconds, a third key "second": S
{"hour": 1, "minute": 40}
